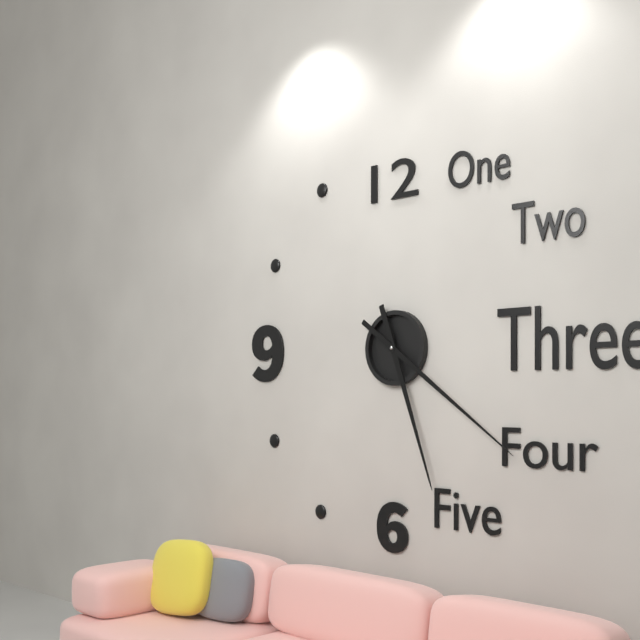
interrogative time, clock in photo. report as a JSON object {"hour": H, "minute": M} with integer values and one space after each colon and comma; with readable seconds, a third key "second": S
{"hour": 5, "minute": 21}
